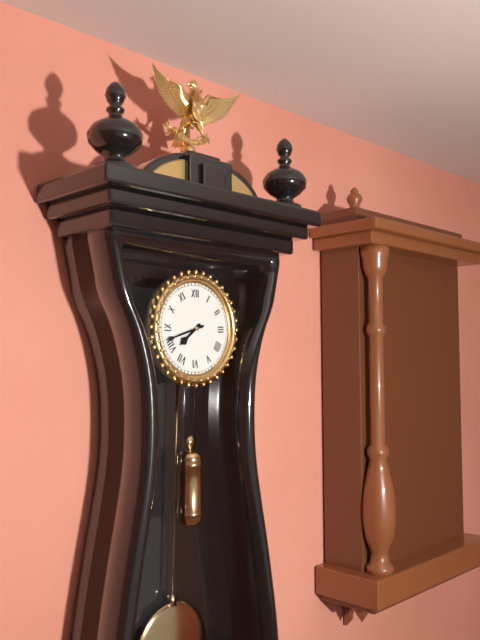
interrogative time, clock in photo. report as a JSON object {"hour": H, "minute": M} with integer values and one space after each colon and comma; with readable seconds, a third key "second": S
{"hour": 7, "minute": 42}
